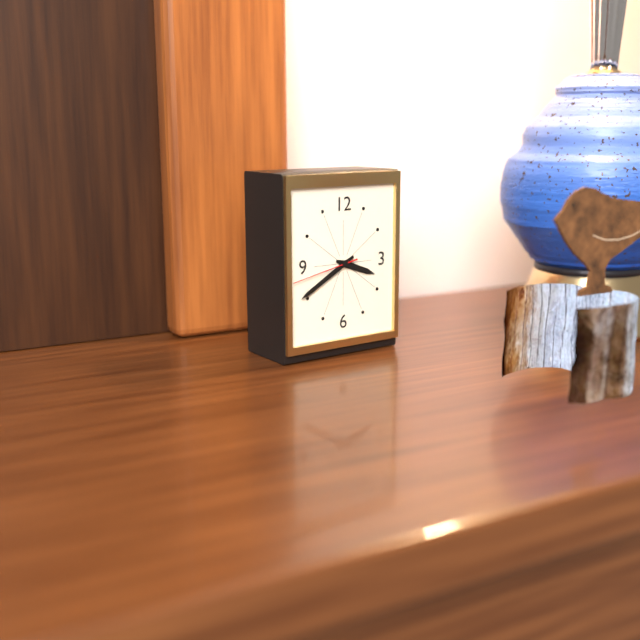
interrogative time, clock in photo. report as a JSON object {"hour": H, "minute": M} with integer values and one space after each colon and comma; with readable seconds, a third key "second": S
{"hour": 3, "minute": 40, "second": 43}
